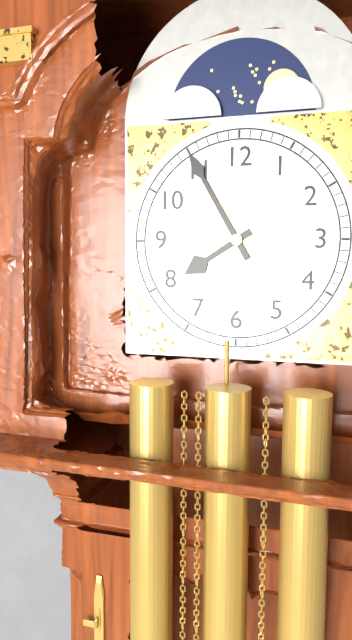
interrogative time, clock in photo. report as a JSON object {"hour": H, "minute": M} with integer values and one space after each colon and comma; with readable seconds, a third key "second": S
{"hour": 7, "minute": 55}
